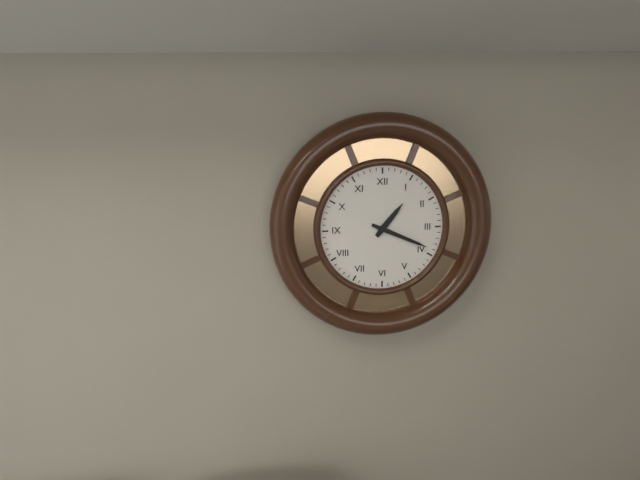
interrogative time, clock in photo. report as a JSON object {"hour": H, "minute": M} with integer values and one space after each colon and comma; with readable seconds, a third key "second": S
{"hour": 1, "minute": 19}
